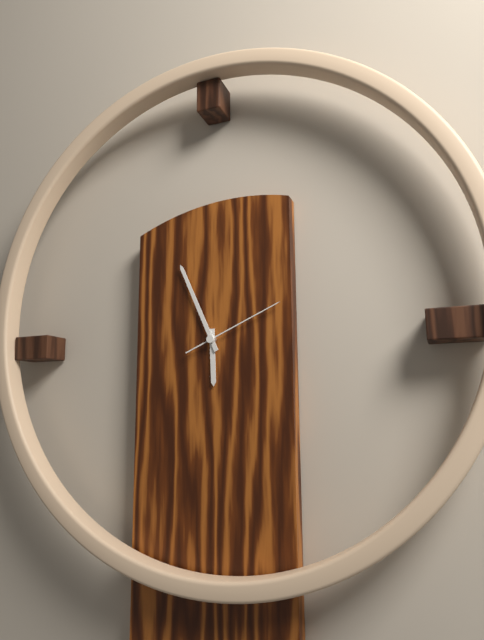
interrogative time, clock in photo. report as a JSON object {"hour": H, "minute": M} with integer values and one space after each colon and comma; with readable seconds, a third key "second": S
{"hour": 5, "minute": 56, "second": 11}
